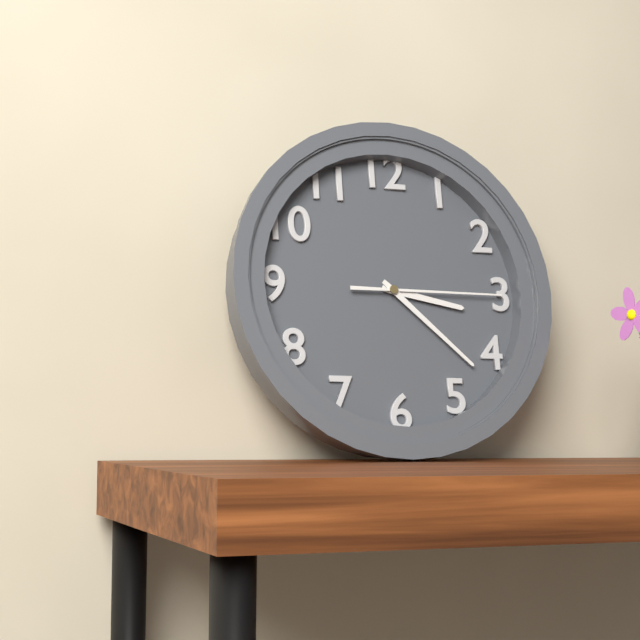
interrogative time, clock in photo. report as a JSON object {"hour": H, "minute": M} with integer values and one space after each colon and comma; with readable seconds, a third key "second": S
{"hour": 3, "minute": 22, "second": 15}
